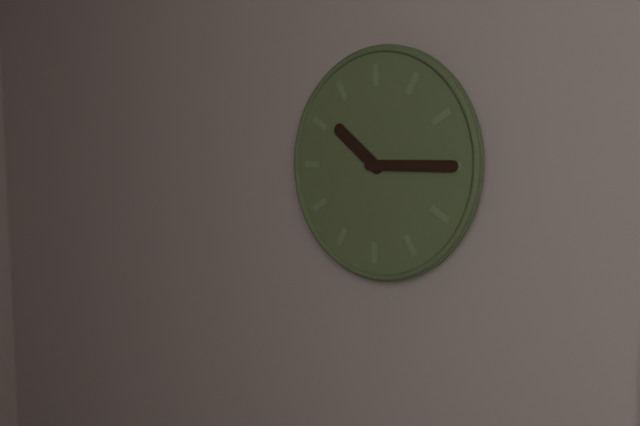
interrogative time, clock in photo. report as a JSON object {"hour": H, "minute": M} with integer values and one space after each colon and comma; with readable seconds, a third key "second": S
{"hour": 10, "minute": 15}
